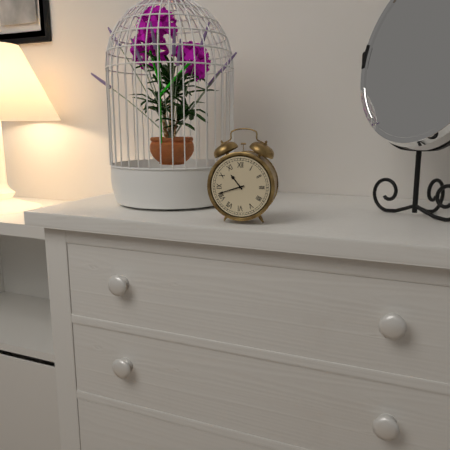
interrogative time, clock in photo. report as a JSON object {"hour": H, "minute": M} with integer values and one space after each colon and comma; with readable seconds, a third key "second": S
{"hour": 10, "minute": 42}
